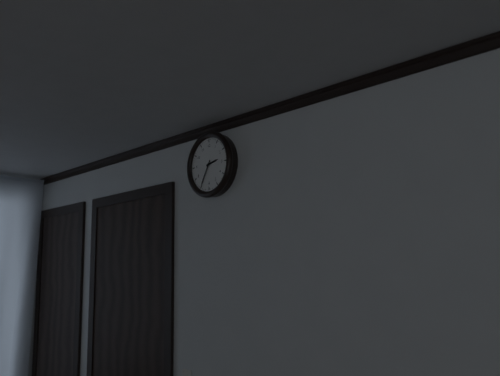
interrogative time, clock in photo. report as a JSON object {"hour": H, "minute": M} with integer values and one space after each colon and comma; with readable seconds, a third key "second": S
{"hour": 2, "minute": 35}
